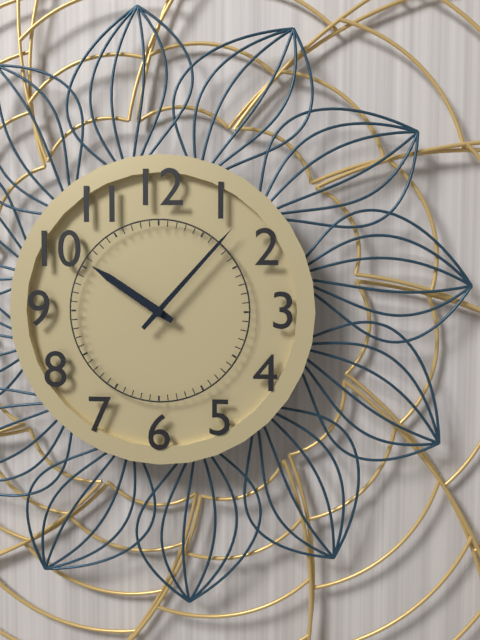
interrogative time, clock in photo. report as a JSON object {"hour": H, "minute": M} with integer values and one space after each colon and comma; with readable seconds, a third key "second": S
{"hour": 10, "minute": 7}
